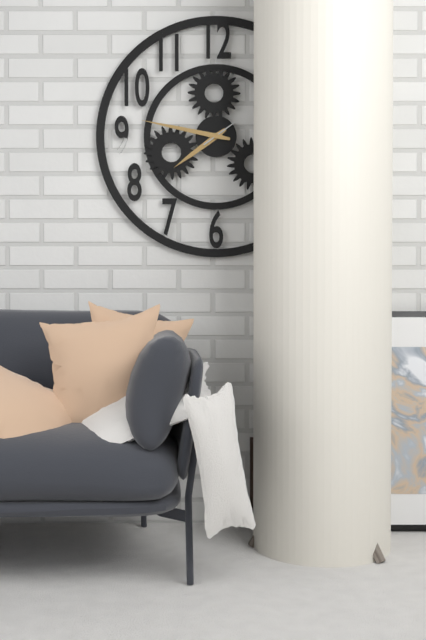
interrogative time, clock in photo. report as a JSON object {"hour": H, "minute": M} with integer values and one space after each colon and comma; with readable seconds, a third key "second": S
{"hour": 7, "minute": 47, "second": 9}
